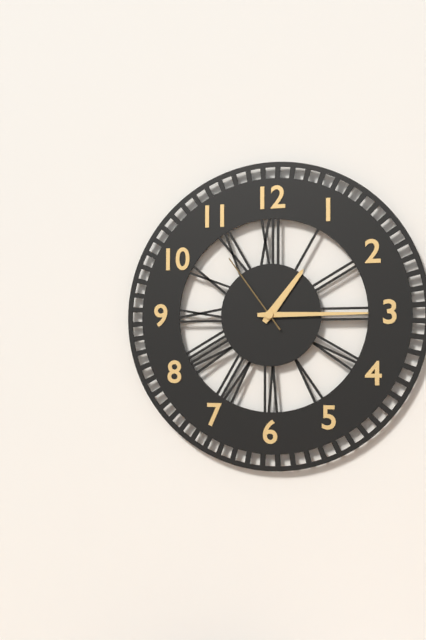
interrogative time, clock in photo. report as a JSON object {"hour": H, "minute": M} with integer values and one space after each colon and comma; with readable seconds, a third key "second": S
{"hour": 1, "minute": 15, "second": 54}
